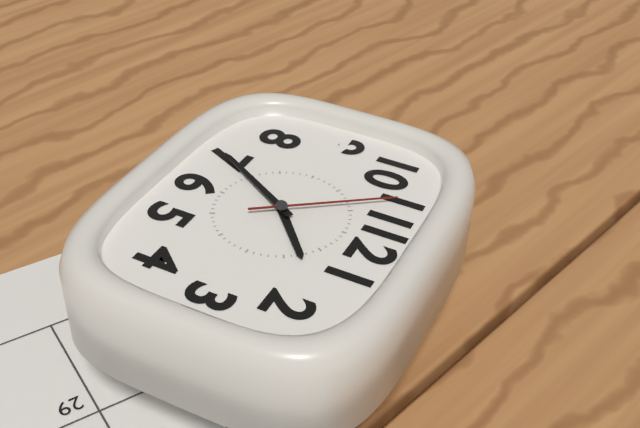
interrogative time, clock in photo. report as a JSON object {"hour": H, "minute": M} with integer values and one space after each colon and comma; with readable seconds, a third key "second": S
{"hour": 1, "minute": 35, "second": 54}
